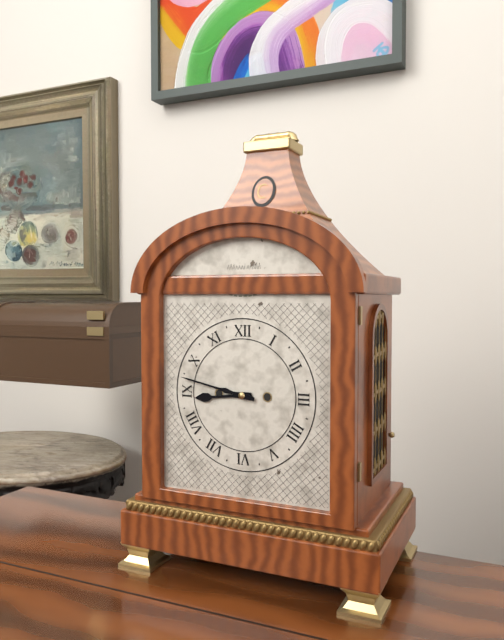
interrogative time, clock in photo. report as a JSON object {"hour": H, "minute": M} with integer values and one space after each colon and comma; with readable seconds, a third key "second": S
{"hour": 8, "minute": 47}
